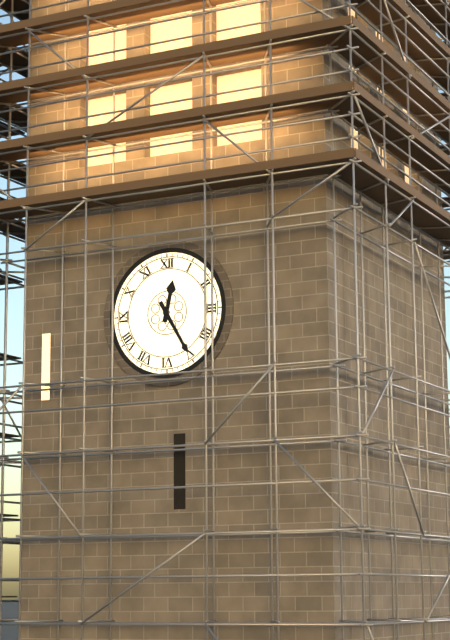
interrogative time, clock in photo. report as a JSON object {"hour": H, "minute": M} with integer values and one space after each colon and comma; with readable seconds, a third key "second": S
{"hour": 12, "minute": 25}
